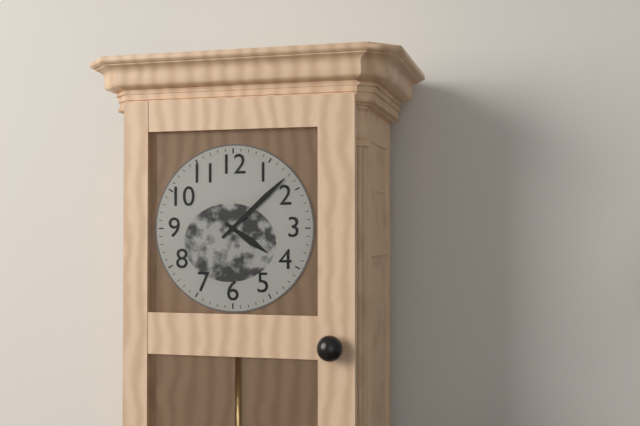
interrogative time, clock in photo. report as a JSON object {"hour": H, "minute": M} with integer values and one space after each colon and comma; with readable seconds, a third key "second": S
{"hour": 4, "minute": 8}
